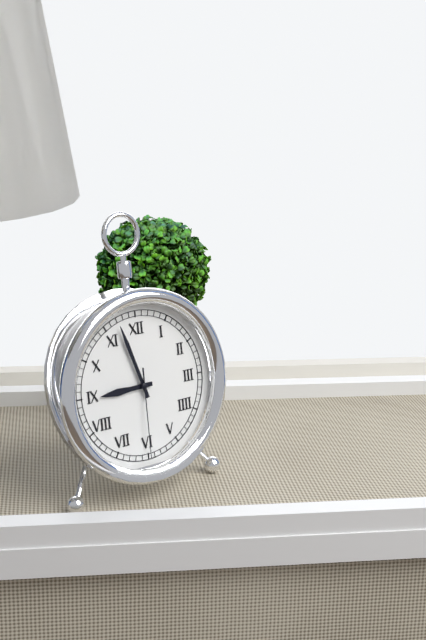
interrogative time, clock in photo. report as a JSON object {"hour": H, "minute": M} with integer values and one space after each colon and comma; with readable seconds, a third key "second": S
{"hour": 8, "minute": 57, "second": 30}
